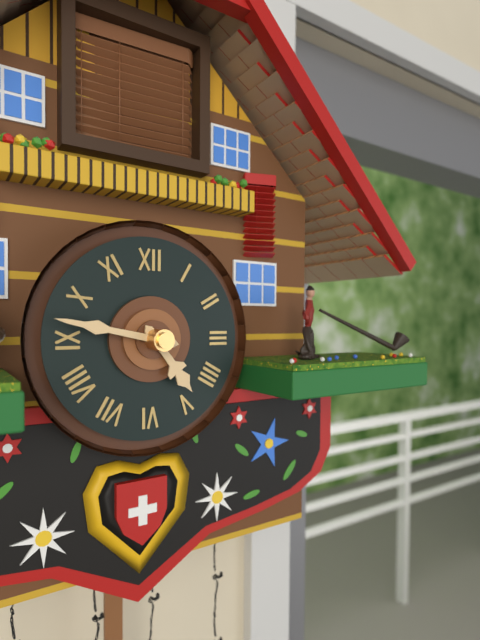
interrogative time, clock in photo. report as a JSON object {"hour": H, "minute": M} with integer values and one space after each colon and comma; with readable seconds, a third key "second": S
{"hour": 4, "minute": 47}
